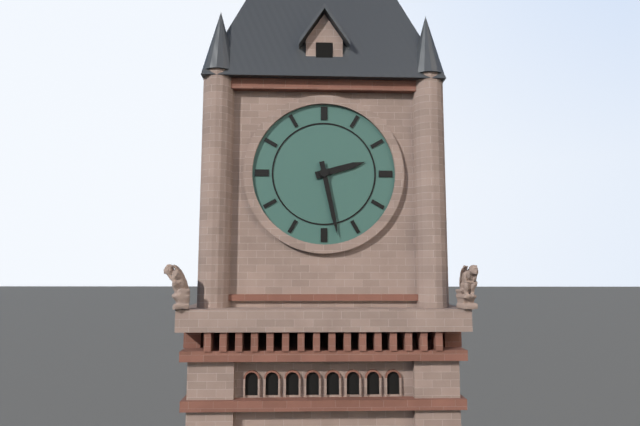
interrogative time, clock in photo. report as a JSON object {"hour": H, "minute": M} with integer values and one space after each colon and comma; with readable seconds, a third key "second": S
{"hour": 2, "minute": 28}
